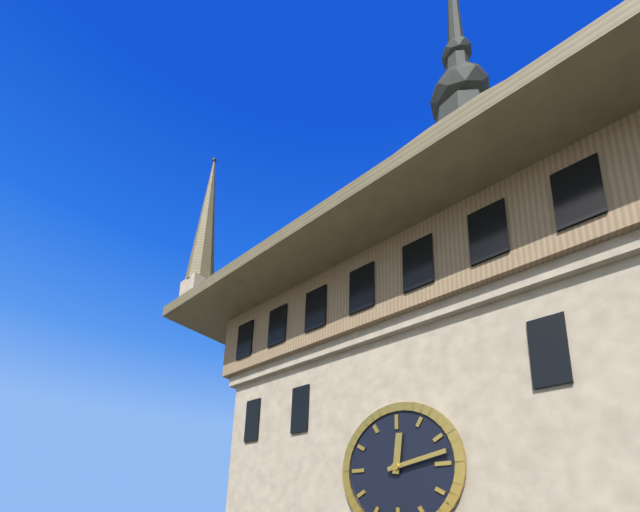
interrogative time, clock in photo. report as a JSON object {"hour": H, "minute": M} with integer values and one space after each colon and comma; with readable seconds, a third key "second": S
{"hour": 12, "minute": 13}
